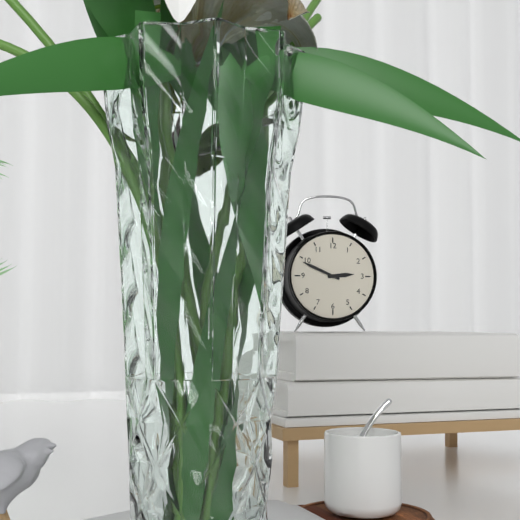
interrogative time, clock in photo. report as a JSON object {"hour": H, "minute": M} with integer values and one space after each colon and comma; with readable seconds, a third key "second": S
{"hour": 2, "minute": 49}
